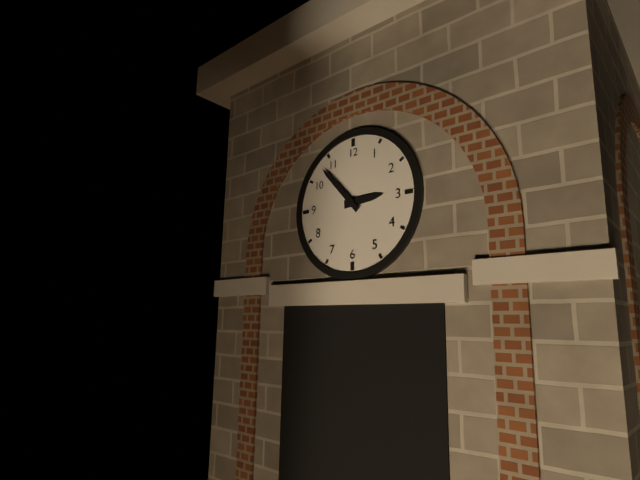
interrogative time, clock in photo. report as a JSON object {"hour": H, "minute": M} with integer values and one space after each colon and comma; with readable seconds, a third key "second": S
{"hour": 2, "minute": 53}
